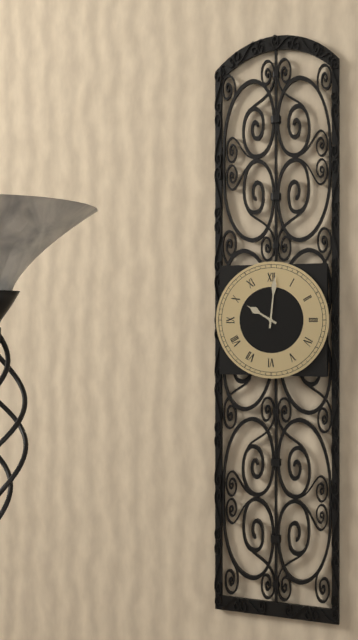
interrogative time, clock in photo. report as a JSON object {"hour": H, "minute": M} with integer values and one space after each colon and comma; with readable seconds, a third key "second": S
{"hour": 10, "minute": 1}
